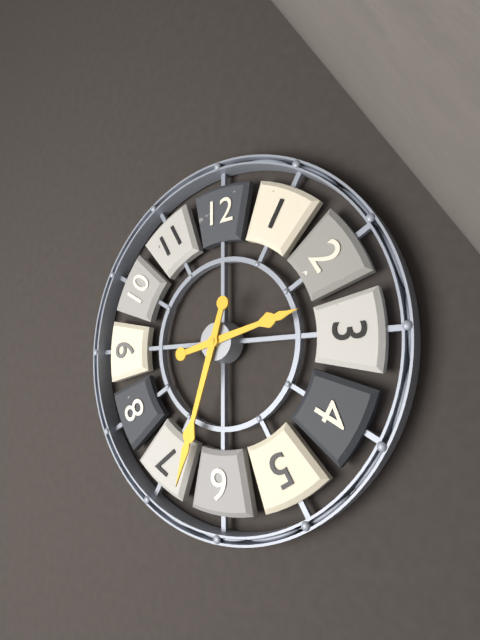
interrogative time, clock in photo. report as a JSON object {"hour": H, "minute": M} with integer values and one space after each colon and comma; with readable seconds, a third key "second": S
{"hour": 2, "minute": 33}
